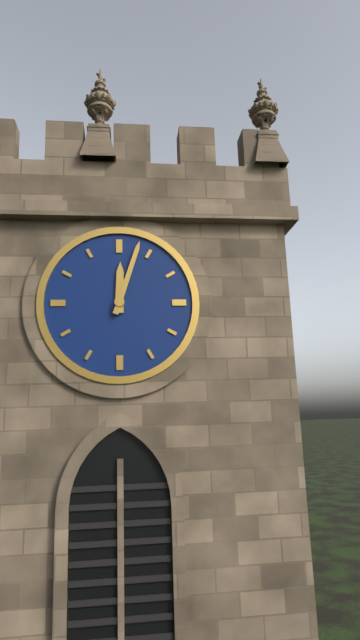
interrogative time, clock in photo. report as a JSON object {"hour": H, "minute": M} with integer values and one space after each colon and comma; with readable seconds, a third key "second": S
{"hour": 12, "minute": 3}
